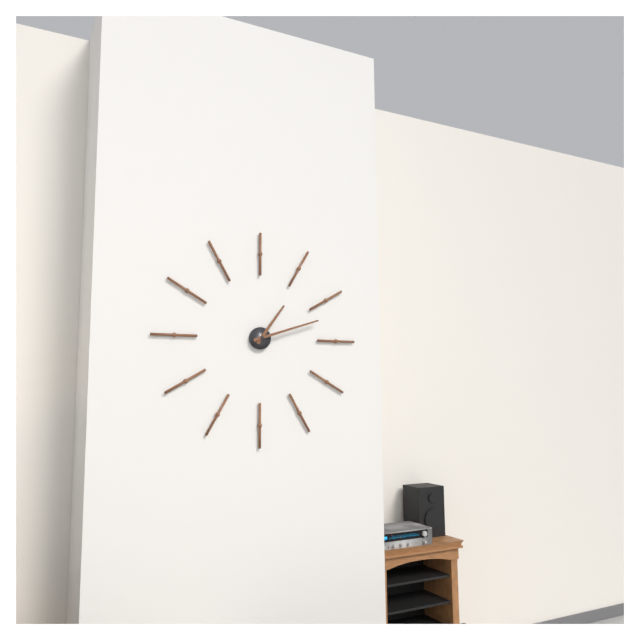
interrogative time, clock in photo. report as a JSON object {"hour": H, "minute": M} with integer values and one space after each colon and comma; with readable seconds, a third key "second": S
{"hour": 1, "minute": 12}
